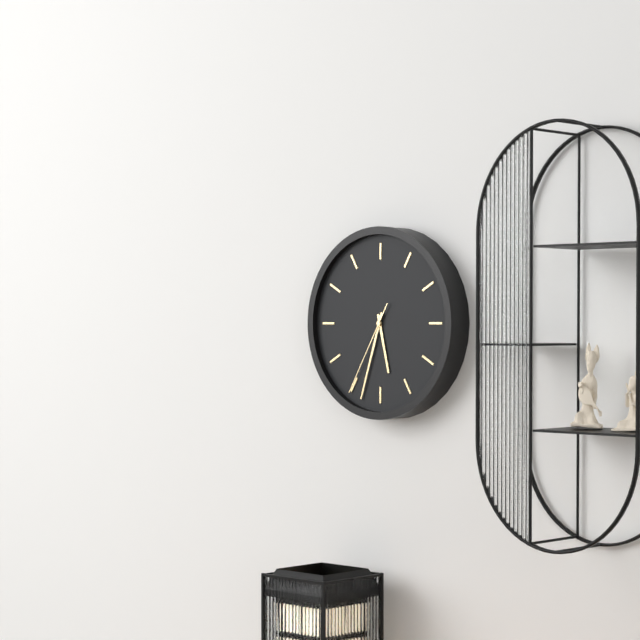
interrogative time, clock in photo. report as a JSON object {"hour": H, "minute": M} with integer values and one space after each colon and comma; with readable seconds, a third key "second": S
{"hour": 5, "minute": 33, "second": 35}
